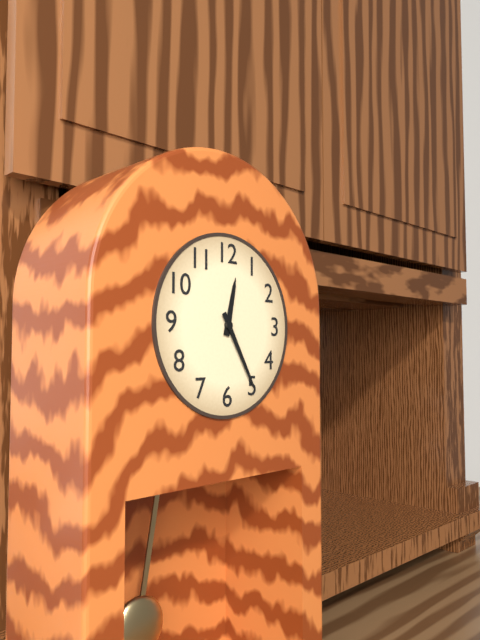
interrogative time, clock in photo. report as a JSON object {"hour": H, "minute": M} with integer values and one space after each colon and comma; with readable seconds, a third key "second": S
{"hour": 12, "minute": 25}
